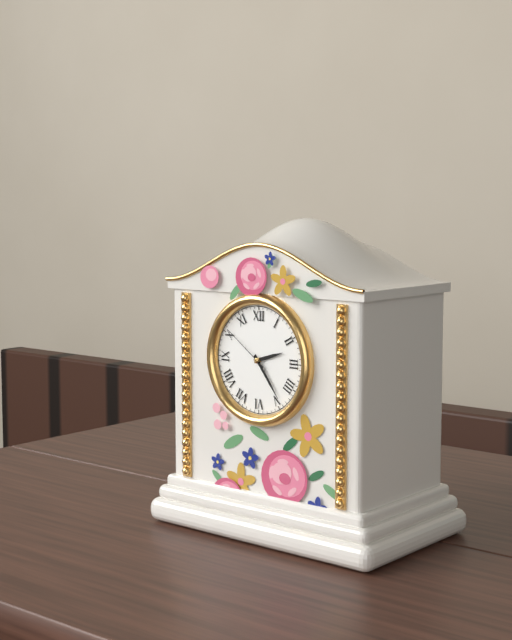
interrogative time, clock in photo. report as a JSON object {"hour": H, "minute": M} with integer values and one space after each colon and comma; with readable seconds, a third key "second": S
{"hour": 2, "minute": 24, "second": 51}
